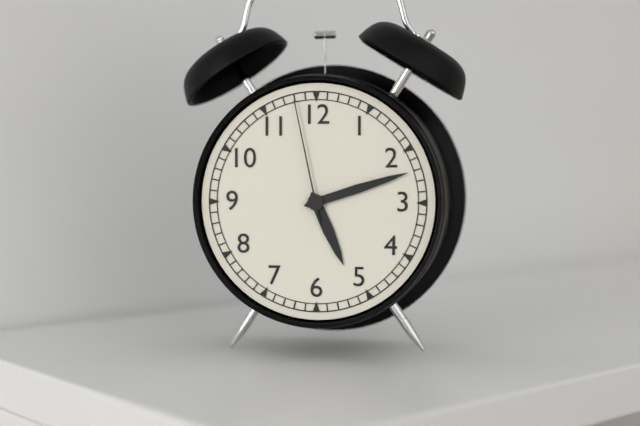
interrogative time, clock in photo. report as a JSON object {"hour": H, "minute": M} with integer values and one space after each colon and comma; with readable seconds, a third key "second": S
{"hour": 5, "minute": 12, "second": 58}
